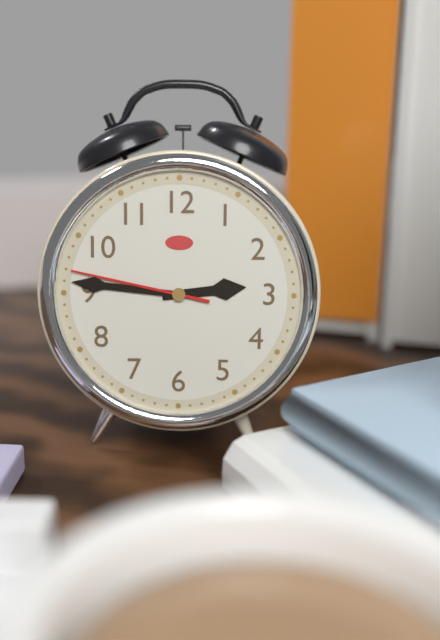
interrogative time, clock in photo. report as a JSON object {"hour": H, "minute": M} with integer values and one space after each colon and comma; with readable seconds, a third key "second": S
{"hour": 2, "minute": 46, "second": 47}
